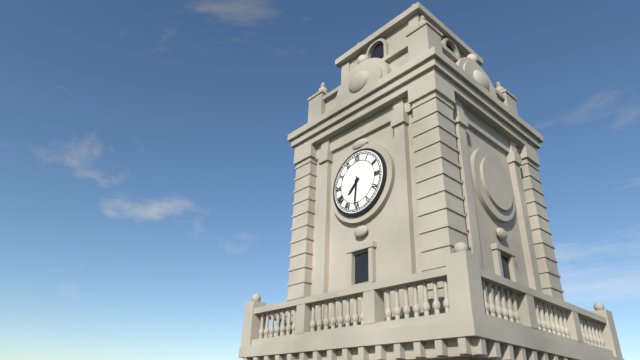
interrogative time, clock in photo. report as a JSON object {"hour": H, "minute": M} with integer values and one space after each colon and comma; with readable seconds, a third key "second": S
{"hour": 7, "minute": 31}
